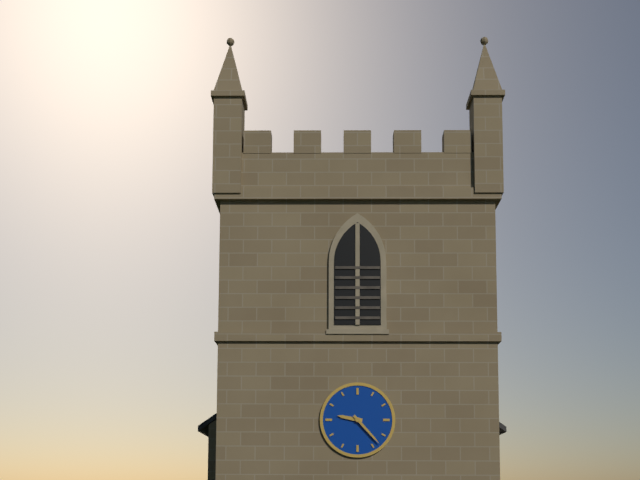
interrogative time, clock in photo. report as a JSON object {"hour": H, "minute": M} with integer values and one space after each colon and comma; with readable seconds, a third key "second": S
{"hour": 9, "minute": 23}
